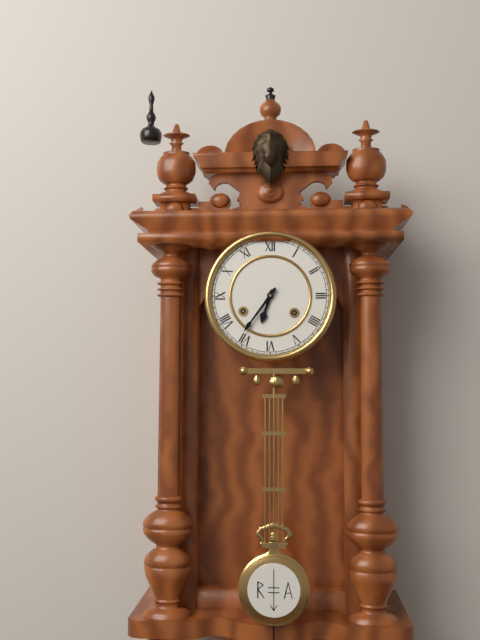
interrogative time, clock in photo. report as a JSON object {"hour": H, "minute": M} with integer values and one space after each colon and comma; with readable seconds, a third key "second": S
{"hour": 6, "minute": 36}
